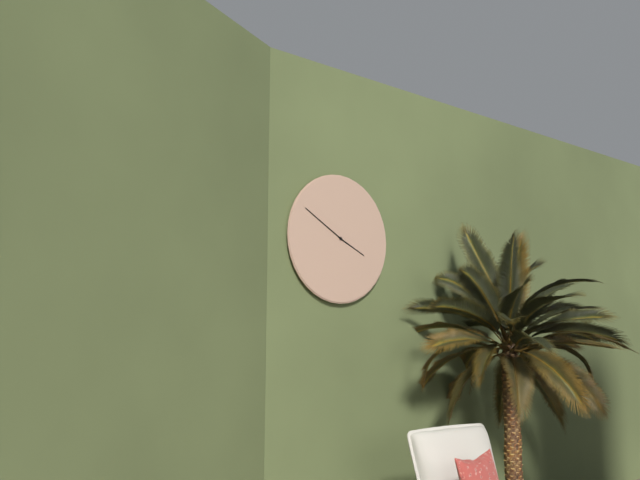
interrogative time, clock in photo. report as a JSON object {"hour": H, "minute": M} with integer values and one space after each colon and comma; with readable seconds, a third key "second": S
{"hour": 3, "minute": 50}
